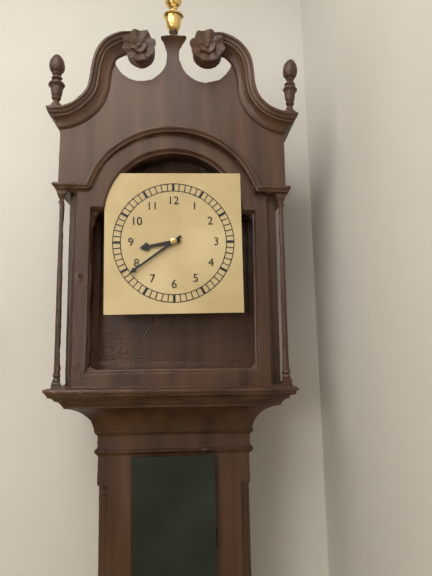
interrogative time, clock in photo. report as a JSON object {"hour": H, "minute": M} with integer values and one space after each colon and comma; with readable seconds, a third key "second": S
{"hour": 8, "minute": 39}
